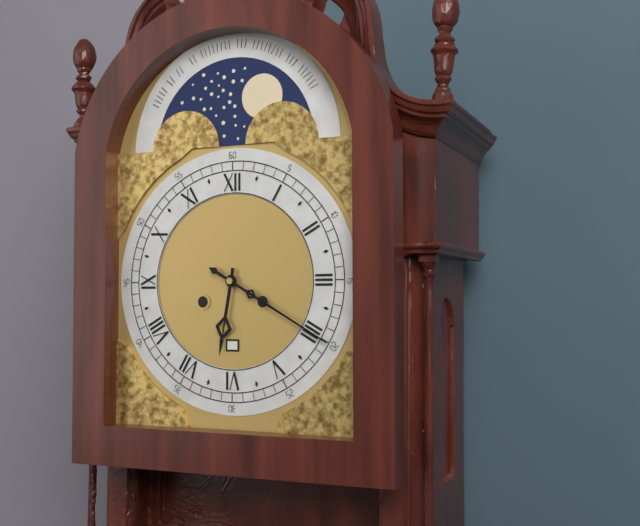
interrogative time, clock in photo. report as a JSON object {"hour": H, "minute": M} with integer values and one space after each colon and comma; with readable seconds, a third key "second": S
{"hour": 6, "minute": 20}
